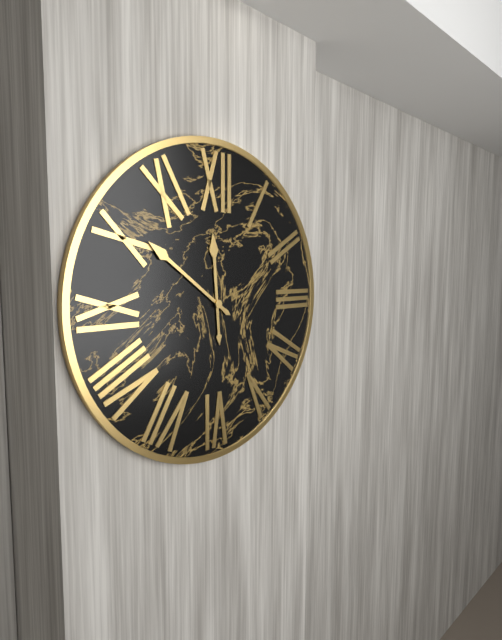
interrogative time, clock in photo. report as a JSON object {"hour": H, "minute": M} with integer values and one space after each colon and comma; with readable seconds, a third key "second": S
{"hour": 11, "minute": 51}
